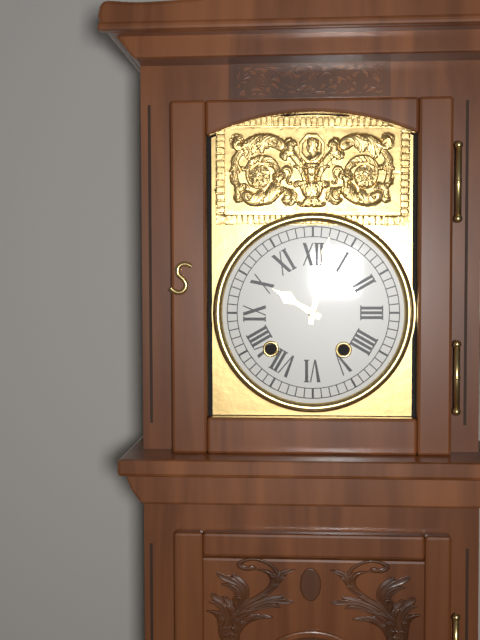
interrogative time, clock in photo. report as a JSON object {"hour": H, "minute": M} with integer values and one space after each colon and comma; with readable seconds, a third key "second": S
{"hour": 10, "minute": 2}
